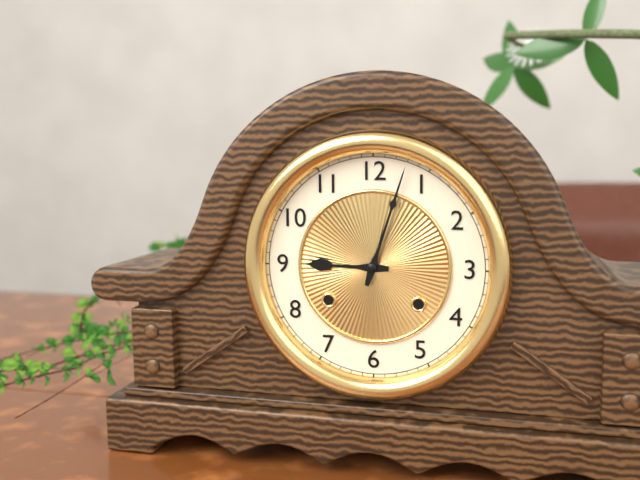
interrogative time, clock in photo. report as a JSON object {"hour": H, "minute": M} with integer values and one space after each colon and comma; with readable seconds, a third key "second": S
{"hour": 9, "minute": 3}
